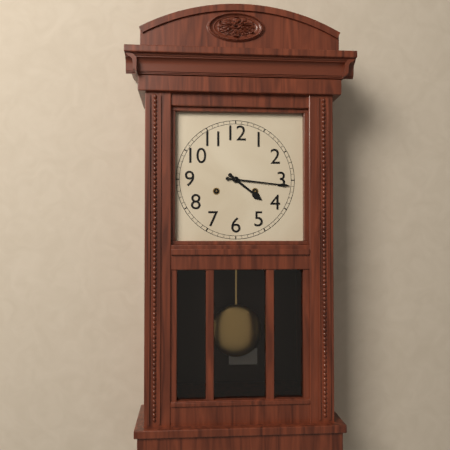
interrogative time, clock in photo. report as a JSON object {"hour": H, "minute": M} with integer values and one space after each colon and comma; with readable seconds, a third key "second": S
{"hour": 4, "minute": 16}
